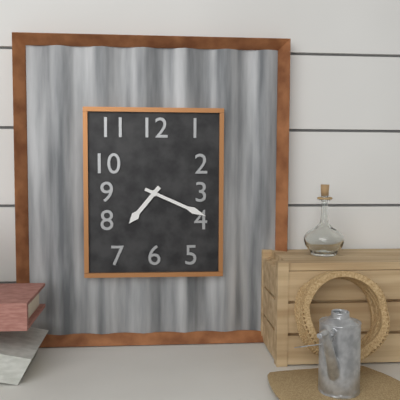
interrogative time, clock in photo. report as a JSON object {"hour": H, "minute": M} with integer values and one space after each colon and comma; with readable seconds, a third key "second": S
{"hour": 7, "minute": 19}
